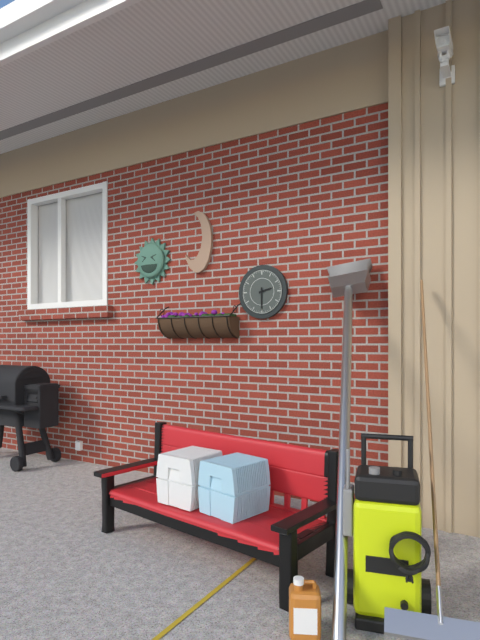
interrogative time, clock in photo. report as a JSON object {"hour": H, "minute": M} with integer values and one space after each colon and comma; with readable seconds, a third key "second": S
{"hour": 2, "minute": 30}
